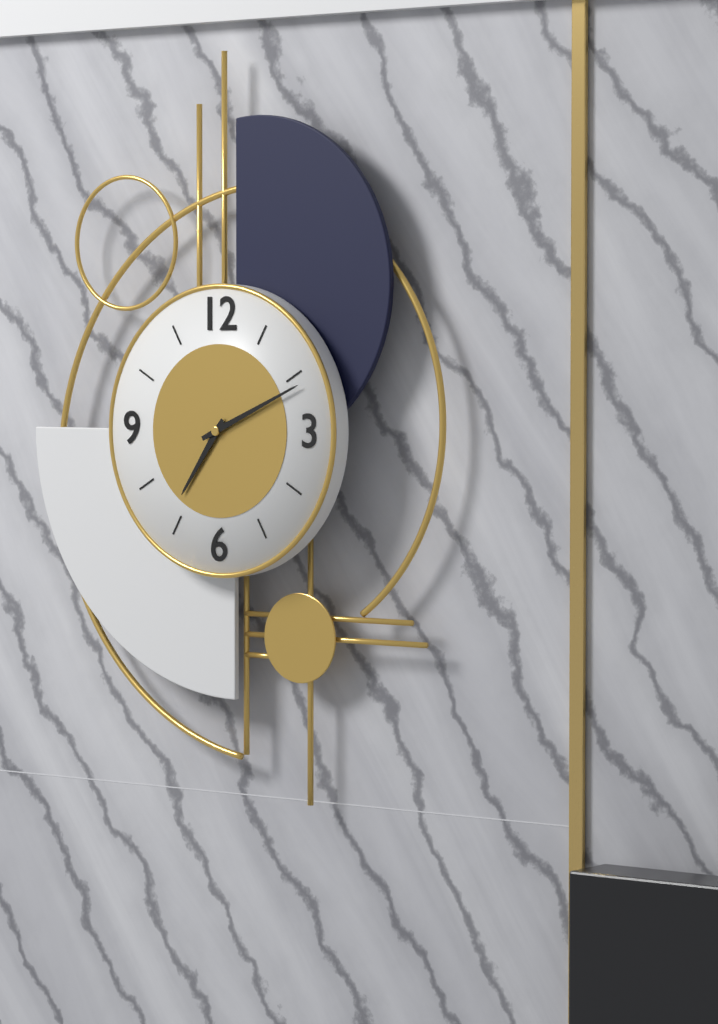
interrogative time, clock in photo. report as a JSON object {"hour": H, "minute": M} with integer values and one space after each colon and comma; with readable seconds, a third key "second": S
{"hour": 7, "minute": 11}
